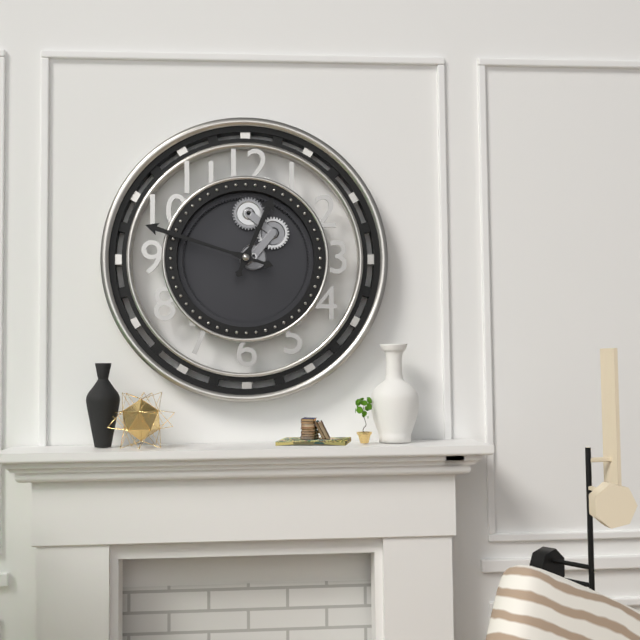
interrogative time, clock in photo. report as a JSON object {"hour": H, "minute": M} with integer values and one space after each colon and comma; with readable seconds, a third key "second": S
{"hour": 12, "minute": 48}
